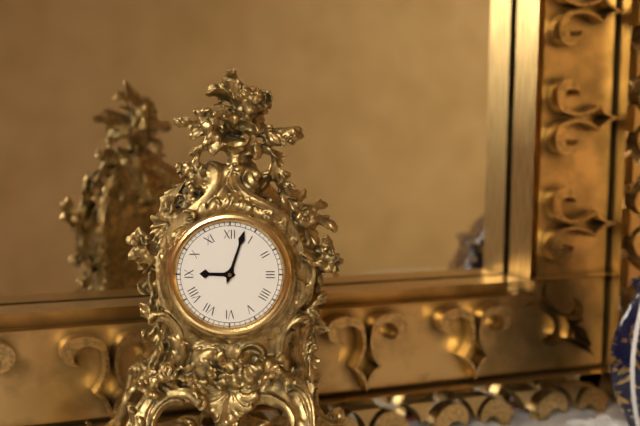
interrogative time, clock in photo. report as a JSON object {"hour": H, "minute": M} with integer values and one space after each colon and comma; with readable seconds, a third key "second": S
{"hour": 9, "minute": 3}
